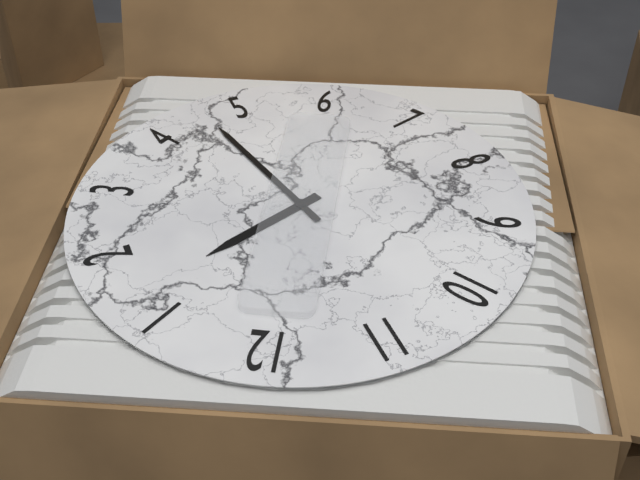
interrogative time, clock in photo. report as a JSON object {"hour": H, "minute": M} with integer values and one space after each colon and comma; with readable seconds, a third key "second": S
{"hour": 1, "minute": 23}
